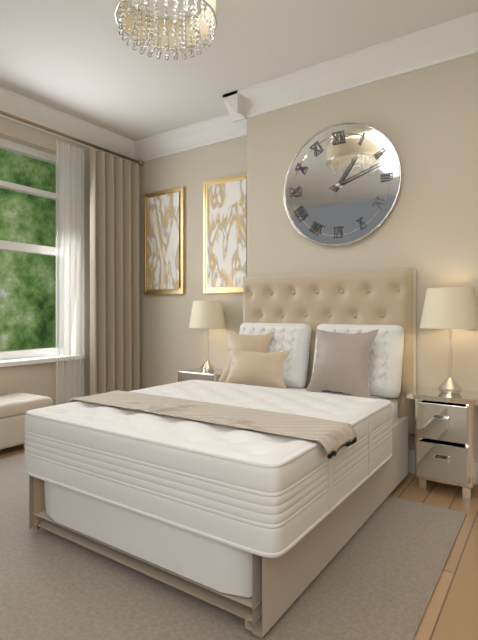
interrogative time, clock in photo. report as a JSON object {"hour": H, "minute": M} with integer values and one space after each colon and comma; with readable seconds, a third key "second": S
{"hour": 1, "minute": 12}
